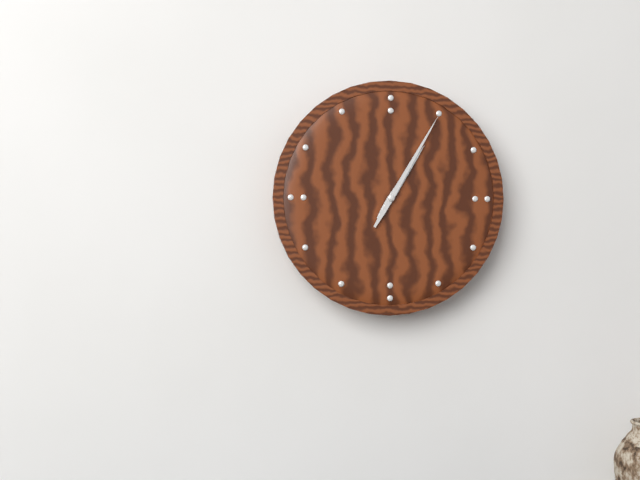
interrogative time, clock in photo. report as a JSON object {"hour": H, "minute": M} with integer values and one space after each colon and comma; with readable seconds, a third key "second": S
{"hour": 1, "minute": 5}
